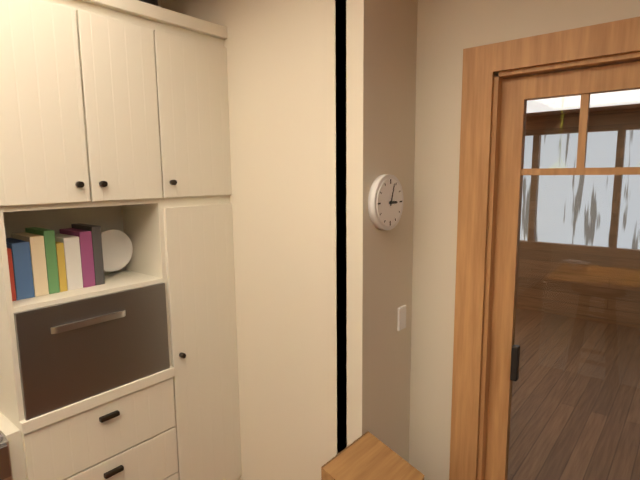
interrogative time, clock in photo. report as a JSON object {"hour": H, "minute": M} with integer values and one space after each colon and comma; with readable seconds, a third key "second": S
{"hour": 3, "minute": 3}
